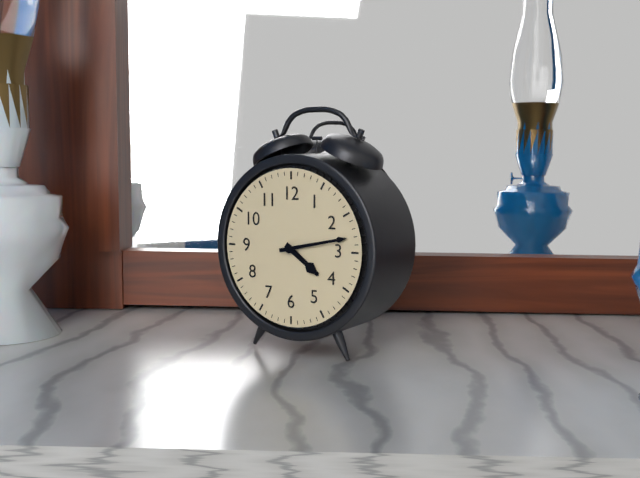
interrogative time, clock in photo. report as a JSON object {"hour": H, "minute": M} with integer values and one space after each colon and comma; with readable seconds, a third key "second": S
{"hour": 4, "minute": 13}
